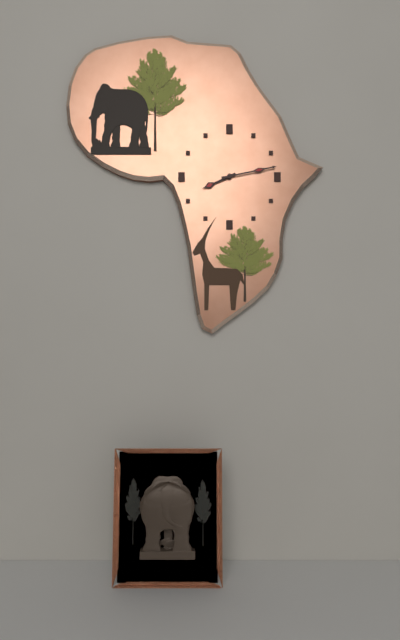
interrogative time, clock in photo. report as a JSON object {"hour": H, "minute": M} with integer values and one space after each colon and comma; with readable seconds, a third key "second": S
{"hour": 8, "minute": 13}
